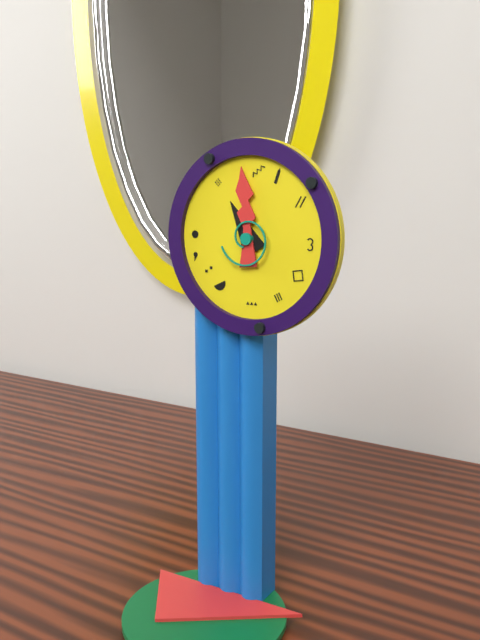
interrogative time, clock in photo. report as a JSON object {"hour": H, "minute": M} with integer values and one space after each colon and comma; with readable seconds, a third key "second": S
{"hour": 10, "minute": 59}
